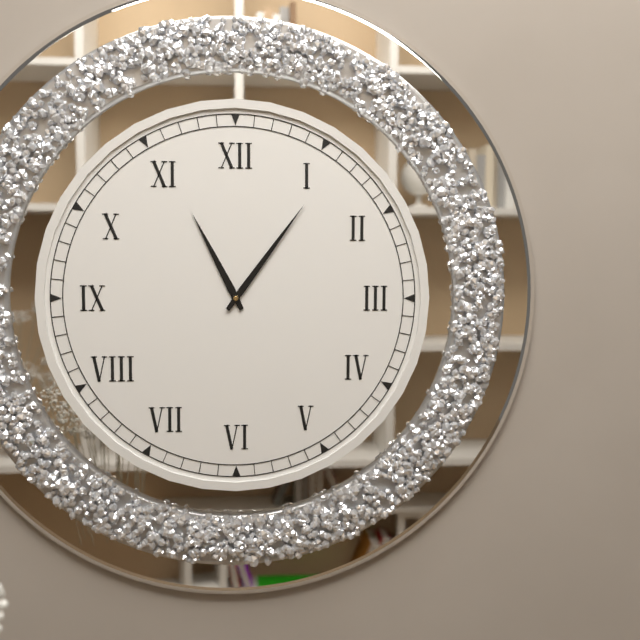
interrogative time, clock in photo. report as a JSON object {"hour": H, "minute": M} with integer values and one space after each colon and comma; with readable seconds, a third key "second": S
{"hour": 11, "minute": 6}
